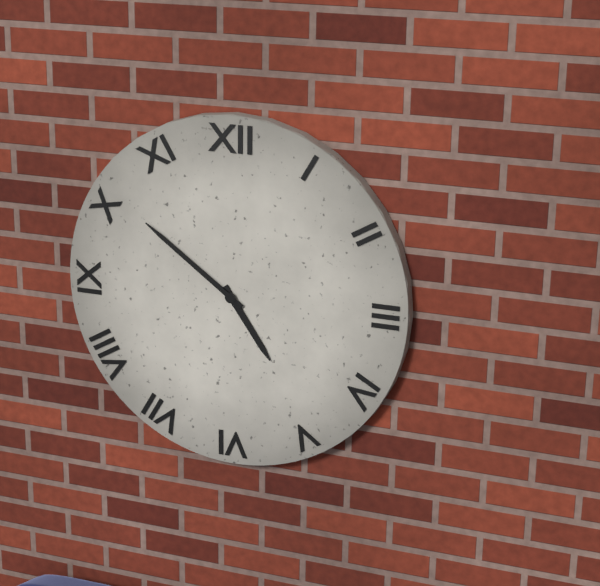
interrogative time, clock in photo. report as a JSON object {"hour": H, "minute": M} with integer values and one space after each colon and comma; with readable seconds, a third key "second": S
{"hour": 4, "minute": 51}
